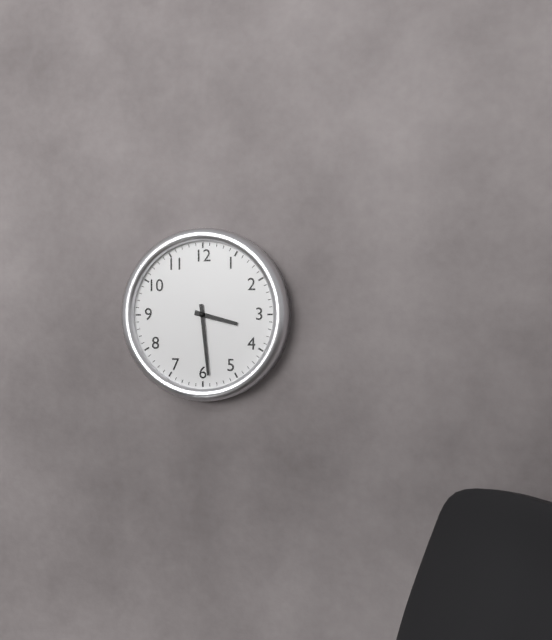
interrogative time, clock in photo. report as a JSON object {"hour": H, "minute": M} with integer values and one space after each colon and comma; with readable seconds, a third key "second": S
{"hour": 3, "minute": 29}
